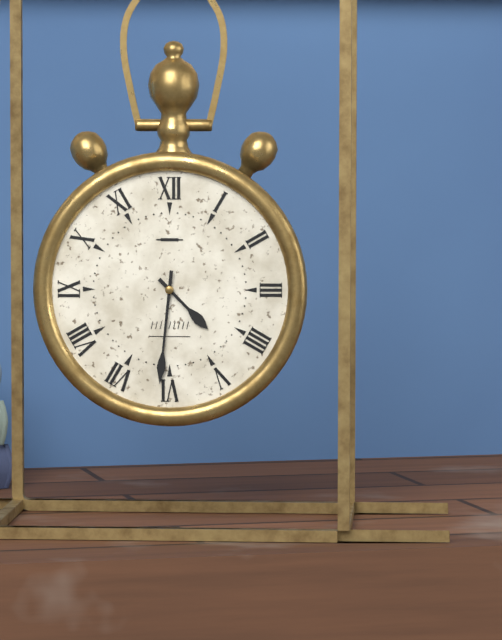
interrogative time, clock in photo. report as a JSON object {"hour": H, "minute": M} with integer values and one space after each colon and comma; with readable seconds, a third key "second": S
{"hour": 4, "minute": 31}
